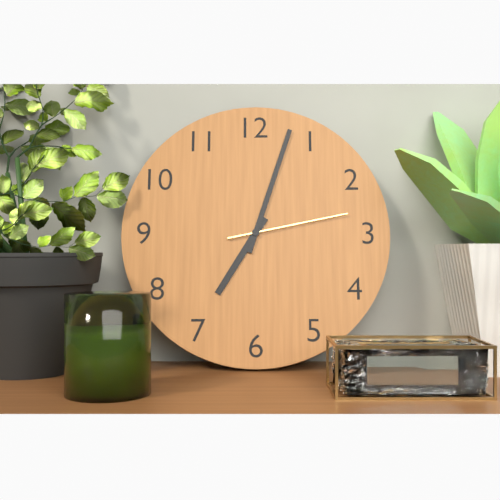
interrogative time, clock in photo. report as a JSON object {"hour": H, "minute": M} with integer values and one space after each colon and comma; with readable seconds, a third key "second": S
{"hour": 7, "minute": 3, "second": 13}
